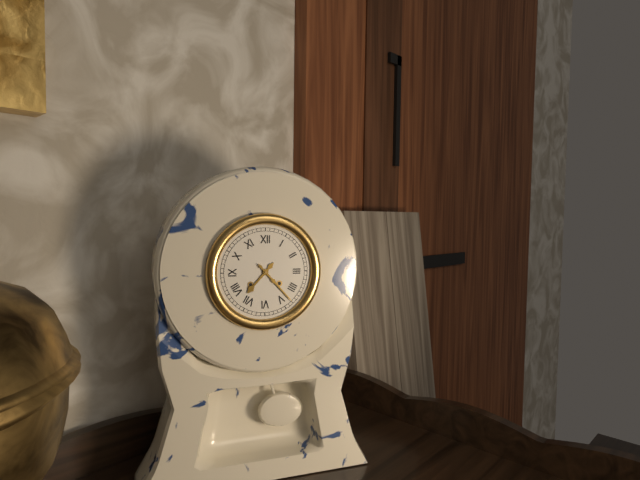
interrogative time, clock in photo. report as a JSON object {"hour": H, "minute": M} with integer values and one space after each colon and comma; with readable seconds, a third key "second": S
{"hour": 7, "minute": 23}
